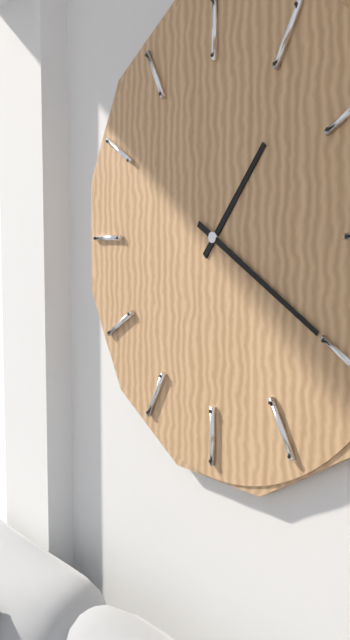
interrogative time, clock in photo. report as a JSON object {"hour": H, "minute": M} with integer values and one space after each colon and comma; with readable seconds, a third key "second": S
{"hour": 1, "minute": 20}
